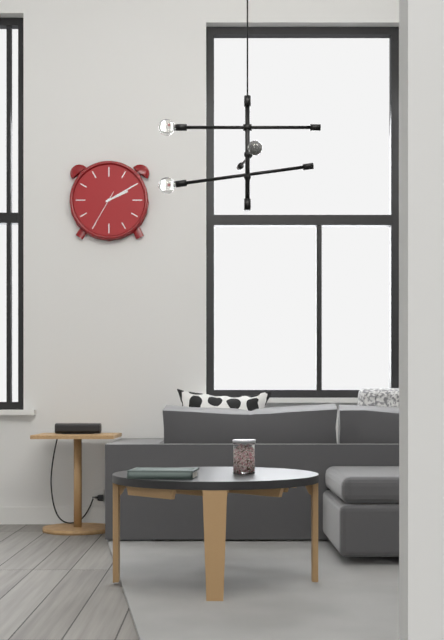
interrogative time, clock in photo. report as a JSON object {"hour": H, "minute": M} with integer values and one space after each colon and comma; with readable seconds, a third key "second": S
{"hour": 2, "minute": 10}
